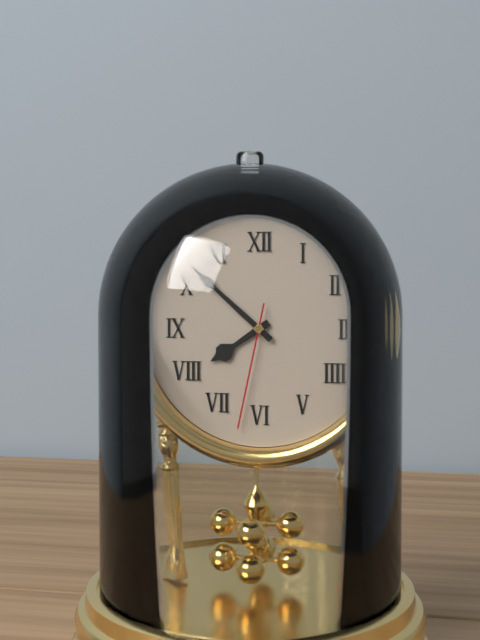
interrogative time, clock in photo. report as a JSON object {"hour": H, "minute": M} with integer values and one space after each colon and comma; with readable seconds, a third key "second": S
{"hour": 7, "minute": 52, "second": 32}
